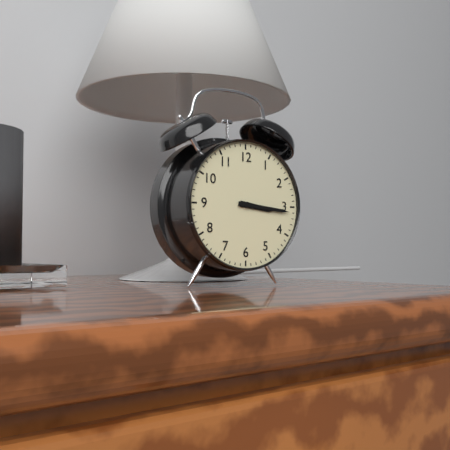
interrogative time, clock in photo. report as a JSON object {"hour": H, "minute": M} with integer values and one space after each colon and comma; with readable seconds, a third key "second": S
{"hour": 3, "minute": 16}
